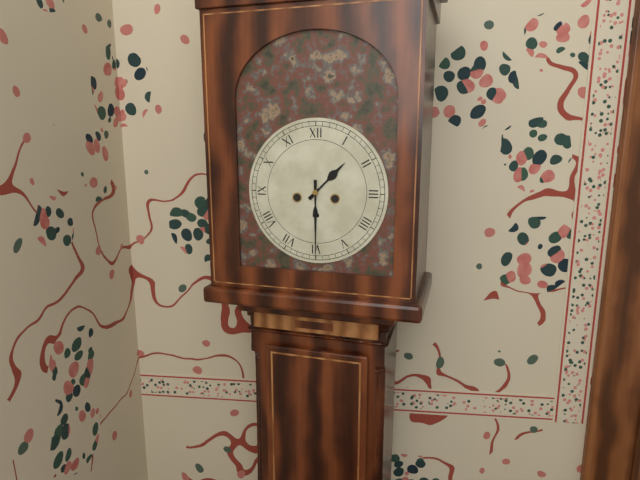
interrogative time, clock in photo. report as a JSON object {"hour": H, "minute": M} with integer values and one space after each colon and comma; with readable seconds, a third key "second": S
{"hour": 1, "minute": 30}
